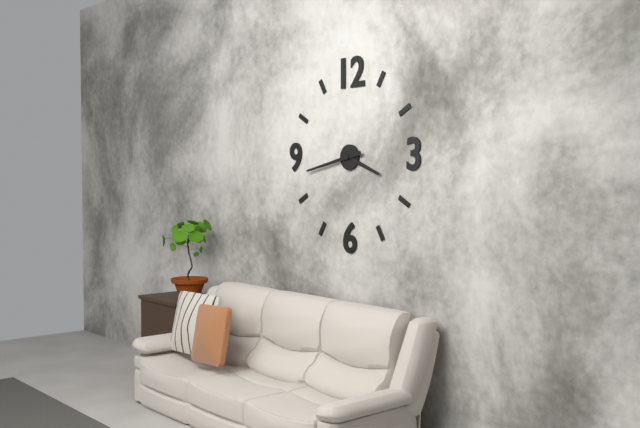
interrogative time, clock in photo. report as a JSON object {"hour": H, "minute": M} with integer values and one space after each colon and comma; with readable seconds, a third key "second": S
{"hour": 3, "minute": 43}
